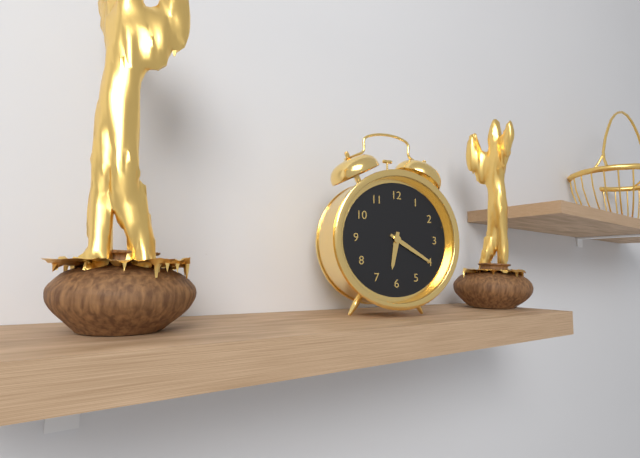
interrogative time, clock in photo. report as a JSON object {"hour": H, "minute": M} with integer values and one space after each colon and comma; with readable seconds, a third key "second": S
{"hour": 6, "minute": 20}
